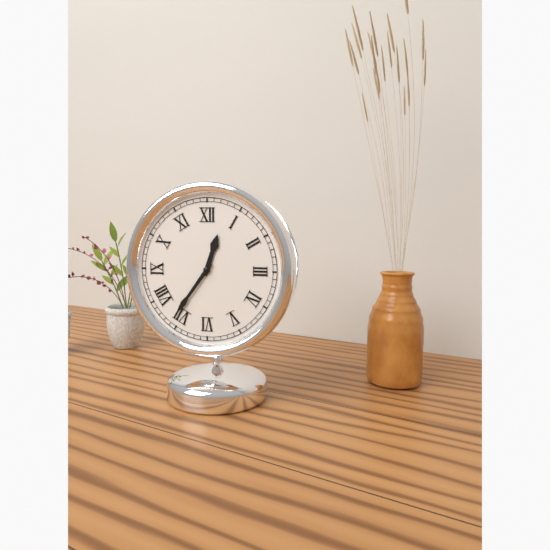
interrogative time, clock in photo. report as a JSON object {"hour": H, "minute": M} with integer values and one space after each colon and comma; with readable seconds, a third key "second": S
{"hour": 12, "minute": 36}
